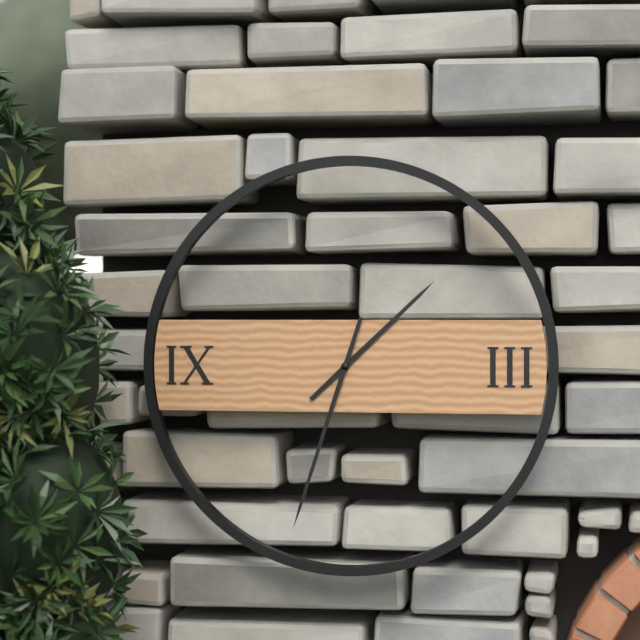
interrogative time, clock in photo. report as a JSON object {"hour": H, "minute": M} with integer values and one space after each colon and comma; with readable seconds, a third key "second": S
{"hour": 1, "minute": 33}
